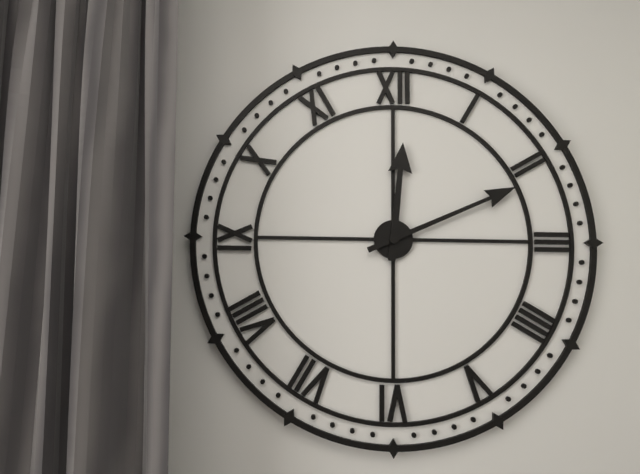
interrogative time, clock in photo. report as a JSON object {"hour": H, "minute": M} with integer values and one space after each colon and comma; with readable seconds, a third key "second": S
{"hour": 12, "minute": 11}
